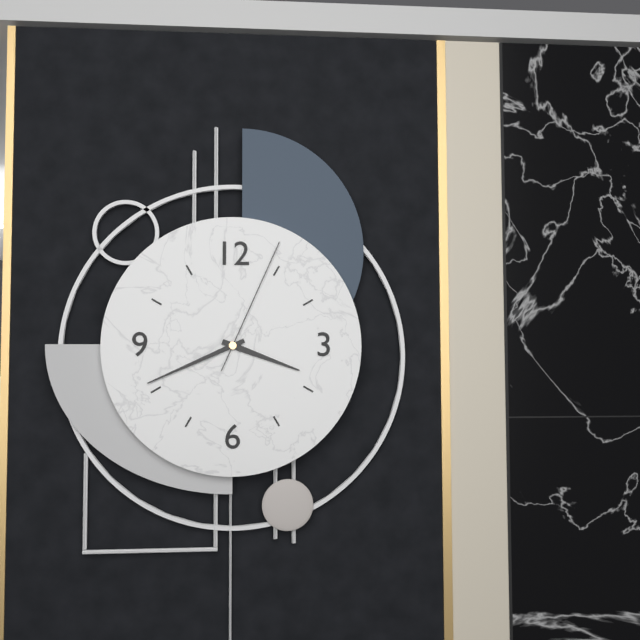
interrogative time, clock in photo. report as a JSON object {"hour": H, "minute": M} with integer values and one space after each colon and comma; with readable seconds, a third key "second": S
{"hour": 3, "minute": 41, "second": 4}
